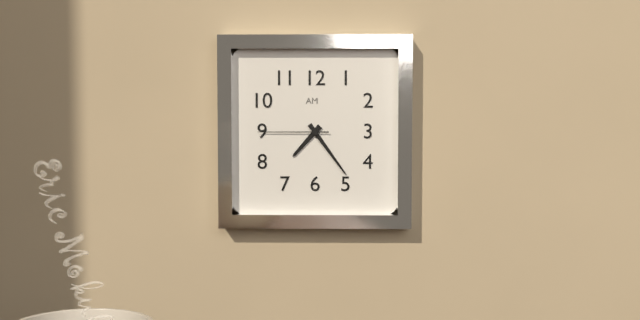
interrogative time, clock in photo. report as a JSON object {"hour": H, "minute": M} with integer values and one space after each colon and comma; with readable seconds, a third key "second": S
{"hour": 7, "minute": 24, "second": 45}
